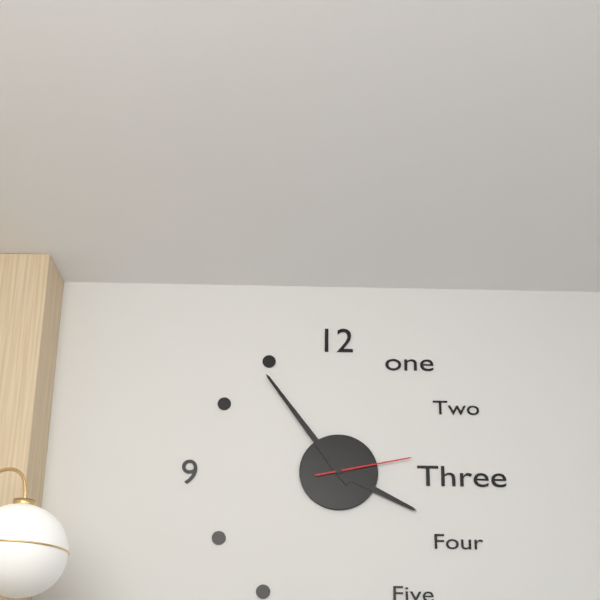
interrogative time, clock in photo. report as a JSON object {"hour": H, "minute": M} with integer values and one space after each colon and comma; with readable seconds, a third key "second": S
{"hour": 3, "minute": 54, "second": 13}
